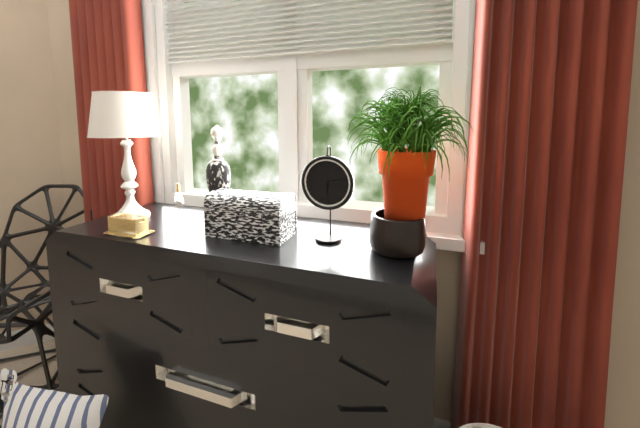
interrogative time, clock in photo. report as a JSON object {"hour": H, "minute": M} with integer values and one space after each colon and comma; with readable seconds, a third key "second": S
{"hour": 6, "minute": 13}
